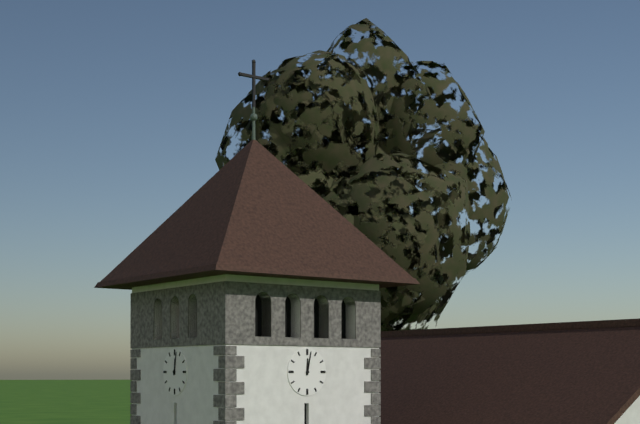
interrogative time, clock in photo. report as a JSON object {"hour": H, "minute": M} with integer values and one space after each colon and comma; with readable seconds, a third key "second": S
{"hour": 12, "minute": 2}
